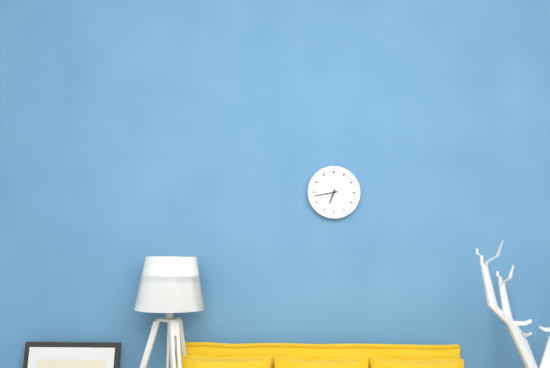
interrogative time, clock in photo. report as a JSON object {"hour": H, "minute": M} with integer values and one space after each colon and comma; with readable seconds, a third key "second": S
{"hour": 6, "minute": 43}
